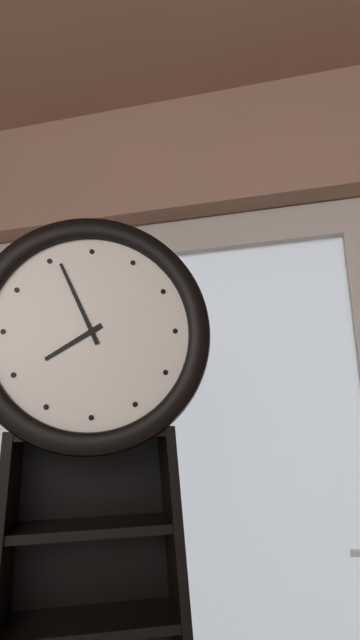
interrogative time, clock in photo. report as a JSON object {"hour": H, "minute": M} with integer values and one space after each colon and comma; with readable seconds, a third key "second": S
{"hour": 7, "minute": 56}
